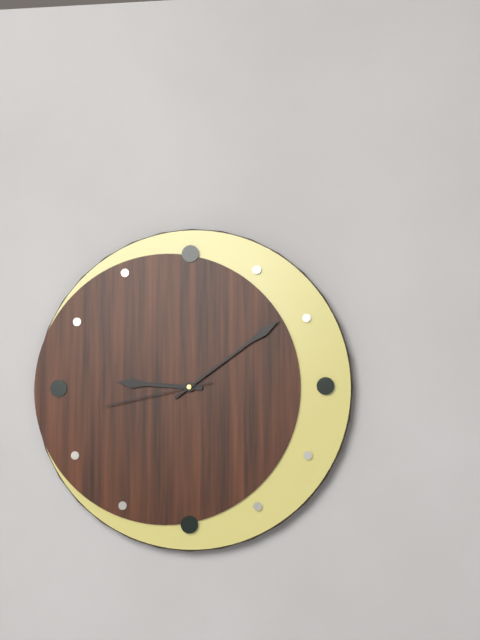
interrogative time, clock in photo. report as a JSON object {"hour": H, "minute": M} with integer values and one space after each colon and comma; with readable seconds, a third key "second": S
{"hour": 9, "minute": 9, "second": 43}
